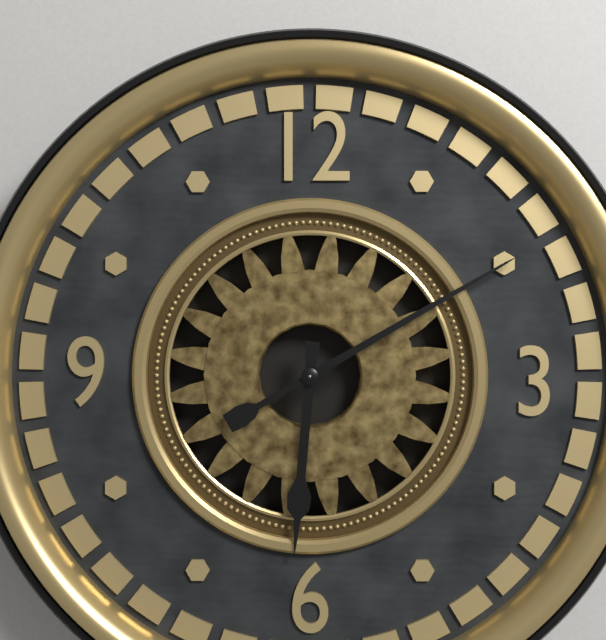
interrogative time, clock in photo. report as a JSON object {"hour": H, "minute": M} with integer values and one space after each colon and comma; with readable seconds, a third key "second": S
{"hour": 6, "minute": 10}
